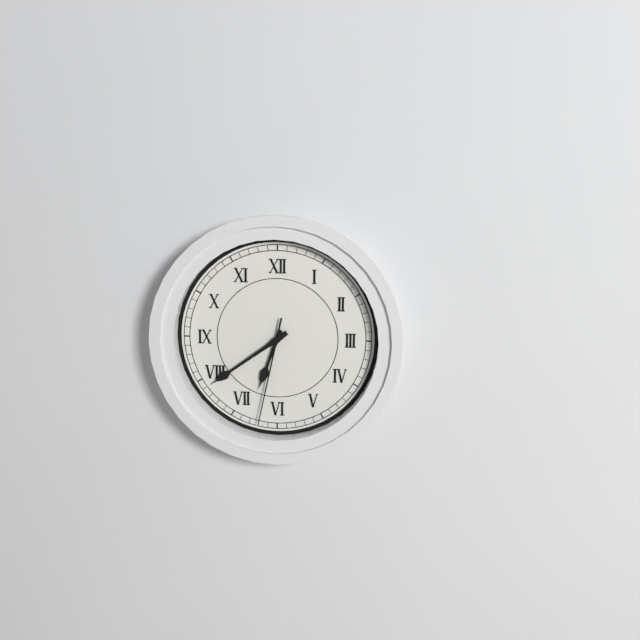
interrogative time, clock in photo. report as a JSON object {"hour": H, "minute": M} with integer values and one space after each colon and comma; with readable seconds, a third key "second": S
{"hour": 6, "minute": 39, "second": 32}
